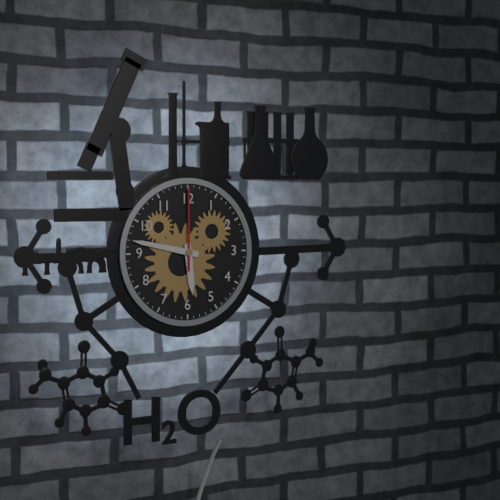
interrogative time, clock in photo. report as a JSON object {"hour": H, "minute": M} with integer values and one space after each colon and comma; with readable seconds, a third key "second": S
{"hour": 5, "minute": 47, "second": 0}
